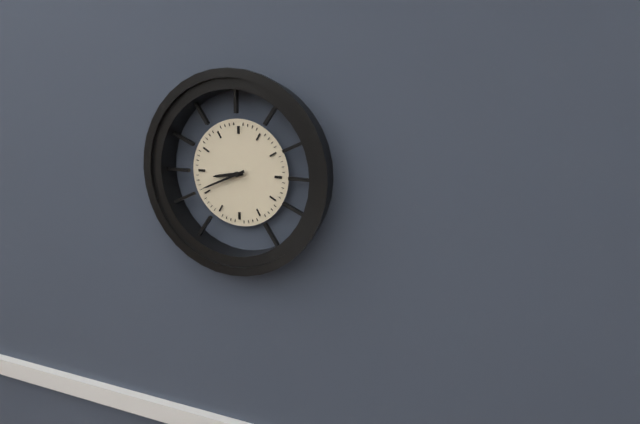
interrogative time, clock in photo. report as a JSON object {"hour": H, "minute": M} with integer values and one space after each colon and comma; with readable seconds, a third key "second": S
{"hour": 8, "minute": 41}
